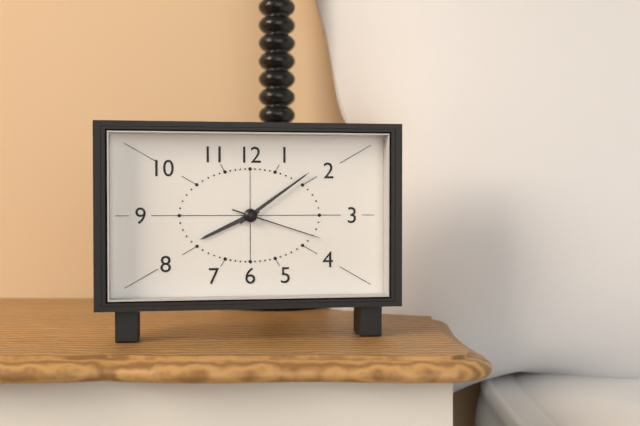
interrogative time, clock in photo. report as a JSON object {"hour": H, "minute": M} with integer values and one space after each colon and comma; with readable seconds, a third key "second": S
{"hour": 8, "minute": 9, "second": 18}
